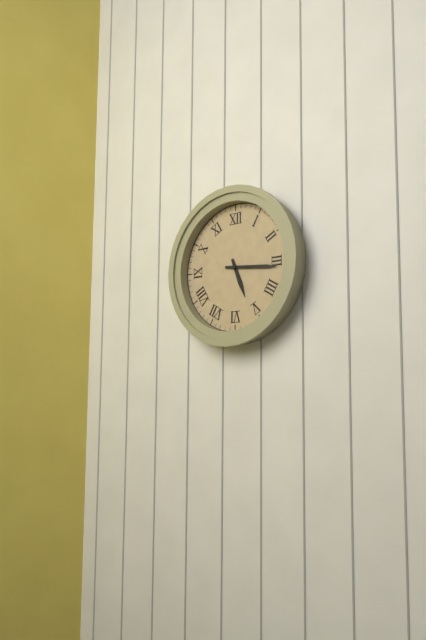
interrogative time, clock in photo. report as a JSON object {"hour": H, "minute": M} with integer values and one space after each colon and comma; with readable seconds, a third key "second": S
{"hour": 5, "minute": 16}
